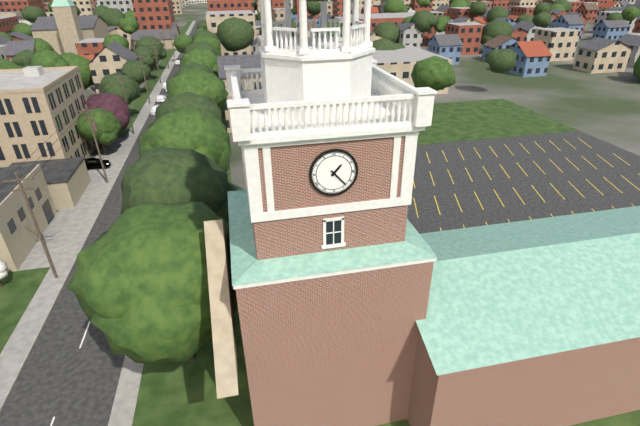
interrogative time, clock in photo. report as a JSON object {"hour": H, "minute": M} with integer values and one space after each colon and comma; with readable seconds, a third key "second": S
{"hour": 1, "minute": 23}
